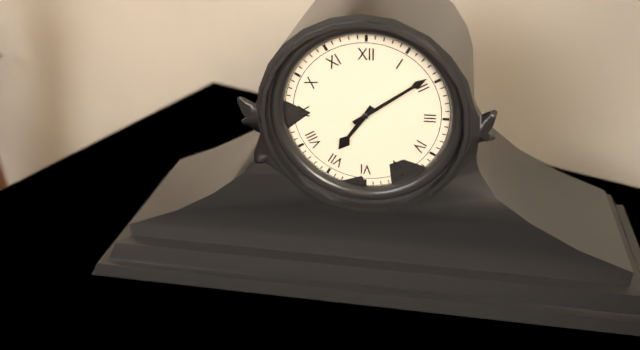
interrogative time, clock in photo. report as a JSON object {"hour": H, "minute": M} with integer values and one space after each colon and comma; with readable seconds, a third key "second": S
{"hour": 7, "minute": 9}
